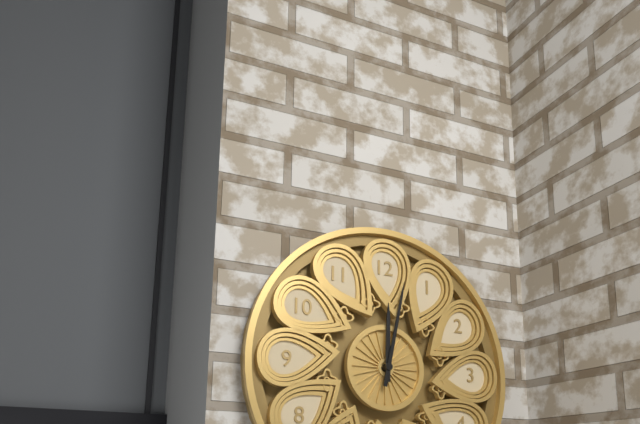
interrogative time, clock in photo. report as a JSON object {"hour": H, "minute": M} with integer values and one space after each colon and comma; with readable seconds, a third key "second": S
{"hour": 12, "minute": 2}
